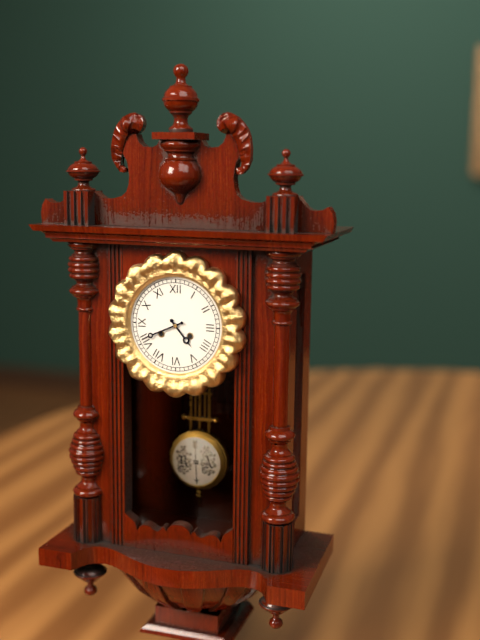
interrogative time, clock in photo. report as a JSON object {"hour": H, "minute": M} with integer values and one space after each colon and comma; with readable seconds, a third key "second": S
{"hour": 4, "minute": 41}
